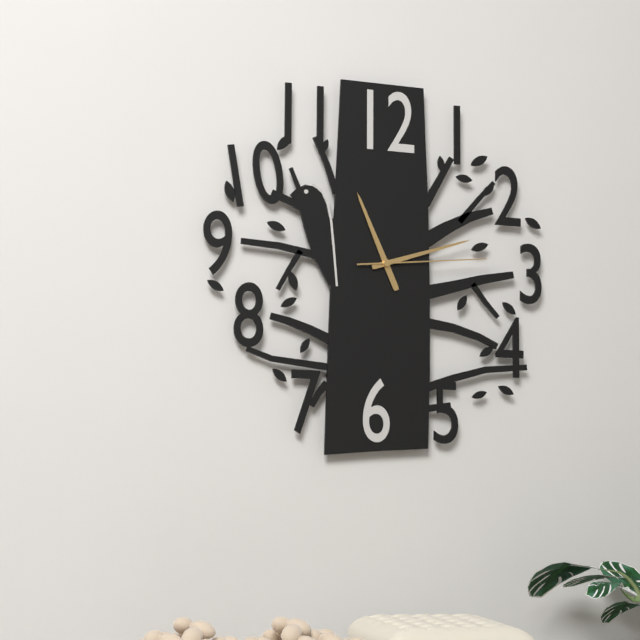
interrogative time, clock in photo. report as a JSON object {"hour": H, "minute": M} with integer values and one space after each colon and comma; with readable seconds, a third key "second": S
{"hour": 11, "minute": 12, "second": 14}
